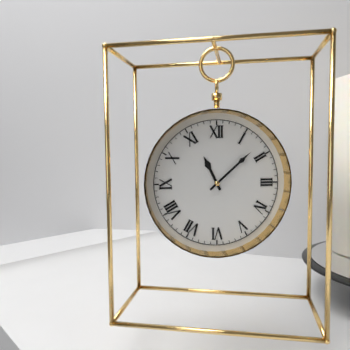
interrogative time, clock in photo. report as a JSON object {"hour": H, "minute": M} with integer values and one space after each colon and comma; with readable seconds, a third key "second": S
{"hour": 11, "minute": 8}
